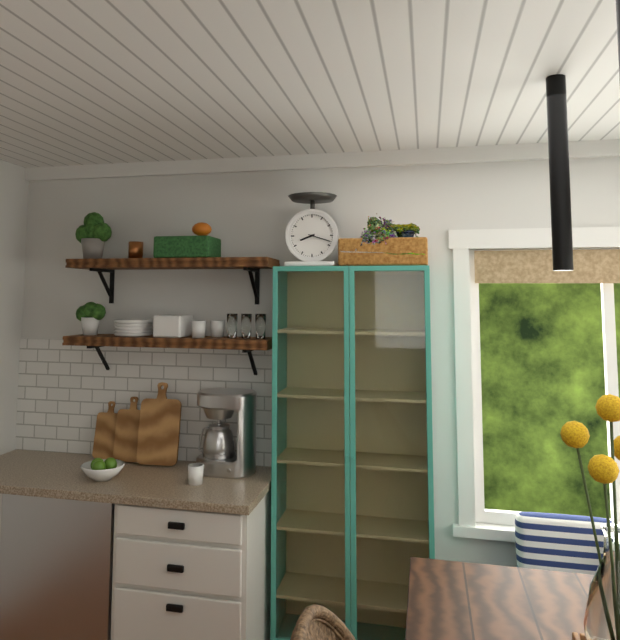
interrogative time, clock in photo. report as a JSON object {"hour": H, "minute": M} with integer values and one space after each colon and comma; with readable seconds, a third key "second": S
{"hour": 8, "minute": 18}
